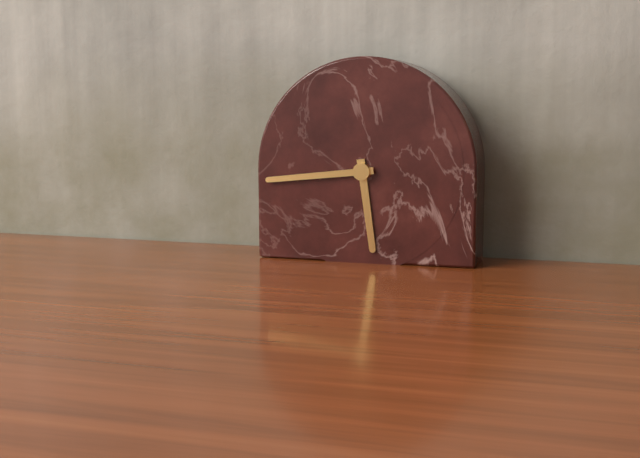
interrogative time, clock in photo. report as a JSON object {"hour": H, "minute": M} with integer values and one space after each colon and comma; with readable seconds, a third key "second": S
{"hour": 5, "minute": 44}
